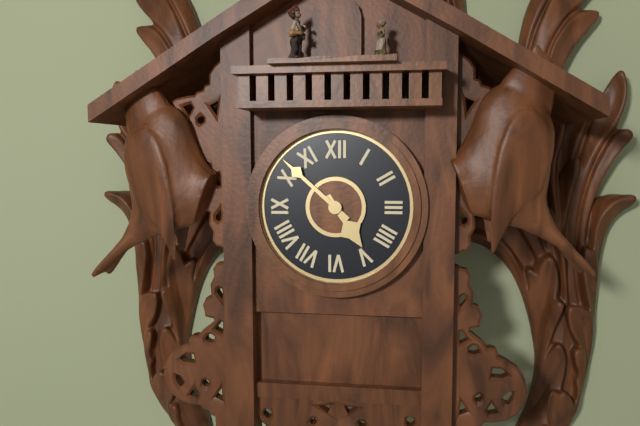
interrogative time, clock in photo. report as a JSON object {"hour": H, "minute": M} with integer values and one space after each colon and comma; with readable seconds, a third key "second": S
{"hour": 4, "minute": 52}
